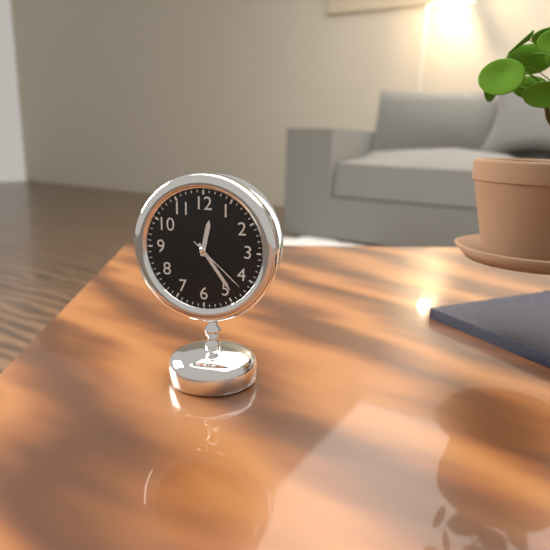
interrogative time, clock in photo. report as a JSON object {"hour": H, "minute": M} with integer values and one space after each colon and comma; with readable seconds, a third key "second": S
{"hour": 12, "minute": 24, "second": 22}
